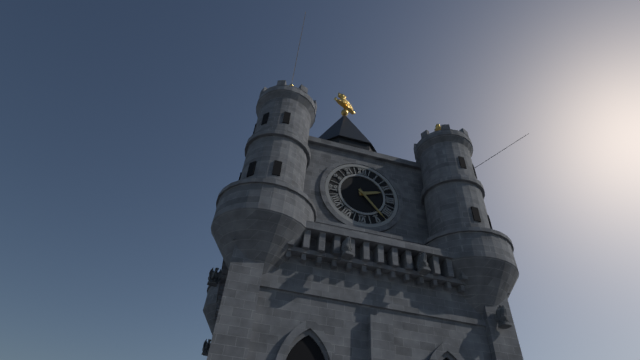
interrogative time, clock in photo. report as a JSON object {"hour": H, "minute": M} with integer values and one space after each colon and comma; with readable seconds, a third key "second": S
{"hour": 2, "minute": 23}
